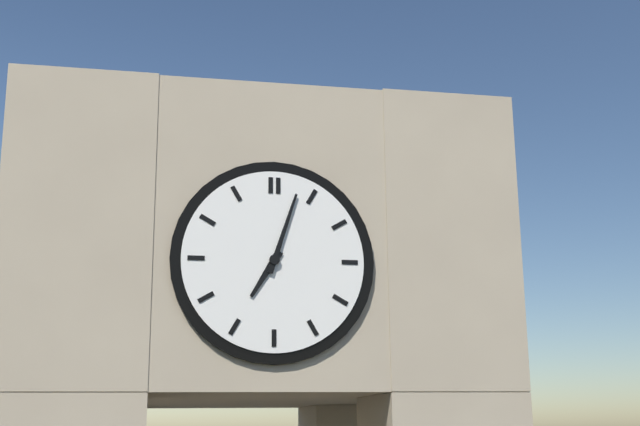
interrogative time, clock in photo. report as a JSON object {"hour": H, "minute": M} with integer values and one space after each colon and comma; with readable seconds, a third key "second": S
{"hour": 7, "minute": 3}
